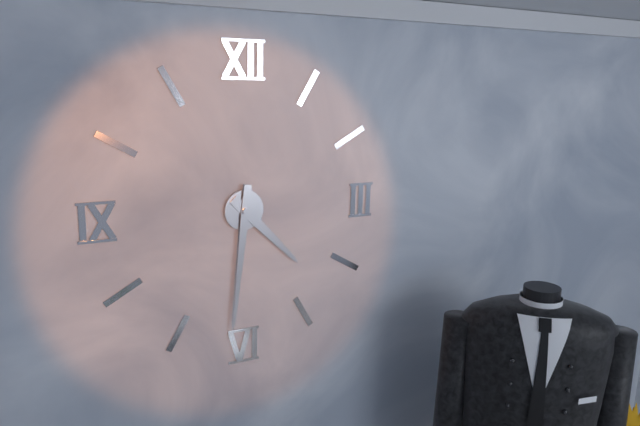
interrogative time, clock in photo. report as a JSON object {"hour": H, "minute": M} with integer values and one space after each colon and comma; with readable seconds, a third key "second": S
{"hour": 4, "minute": 31}
